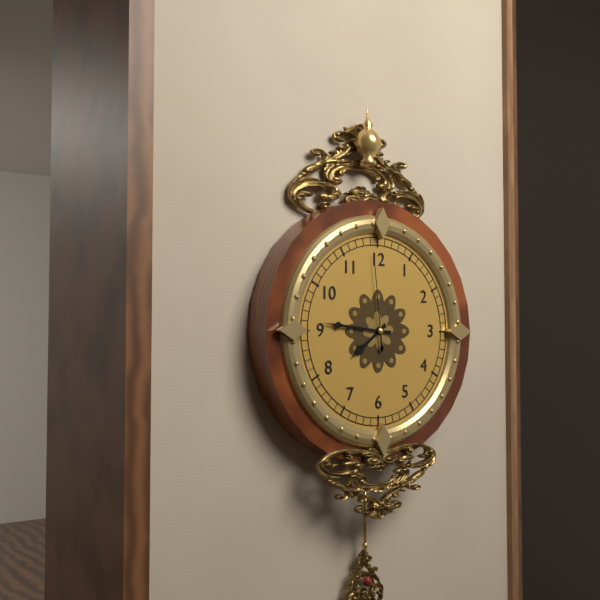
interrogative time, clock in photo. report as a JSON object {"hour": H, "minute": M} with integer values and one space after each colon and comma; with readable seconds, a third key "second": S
{"hour": 7, "minute": 46, "second": 59}
